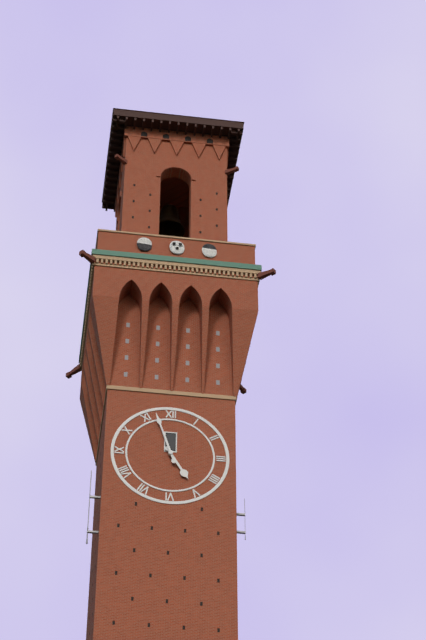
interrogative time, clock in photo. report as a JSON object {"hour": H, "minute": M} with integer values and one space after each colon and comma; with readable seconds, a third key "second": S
{"hour": 4, "minute": 57}
